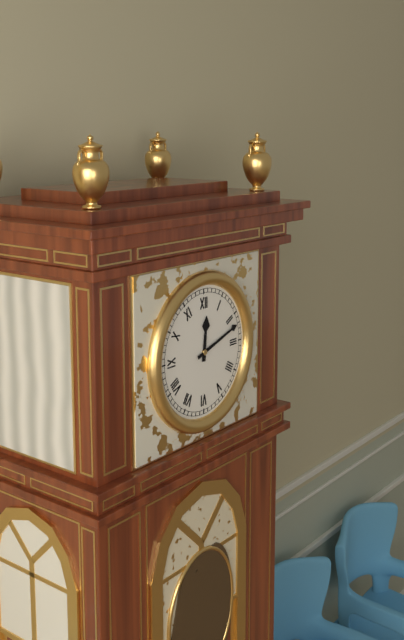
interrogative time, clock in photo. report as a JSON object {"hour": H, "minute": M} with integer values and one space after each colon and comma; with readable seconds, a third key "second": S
{"hour": 12, "minute": 12}
